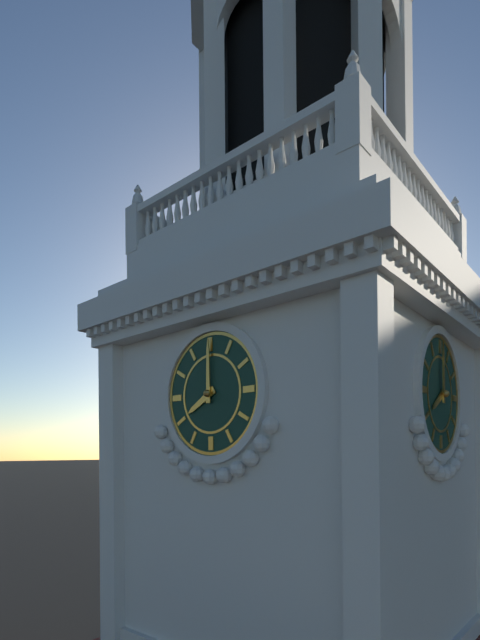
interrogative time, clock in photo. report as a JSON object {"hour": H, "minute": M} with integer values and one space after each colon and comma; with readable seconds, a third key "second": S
{"hour": 8, "minute": 0}
